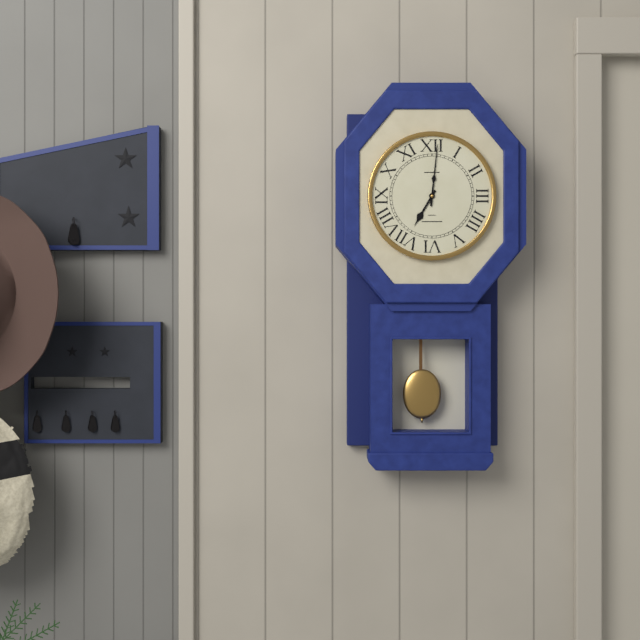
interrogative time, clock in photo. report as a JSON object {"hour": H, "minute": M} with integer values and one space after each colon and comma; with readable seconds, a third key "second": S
{"hour": 7, "minute": 1}
